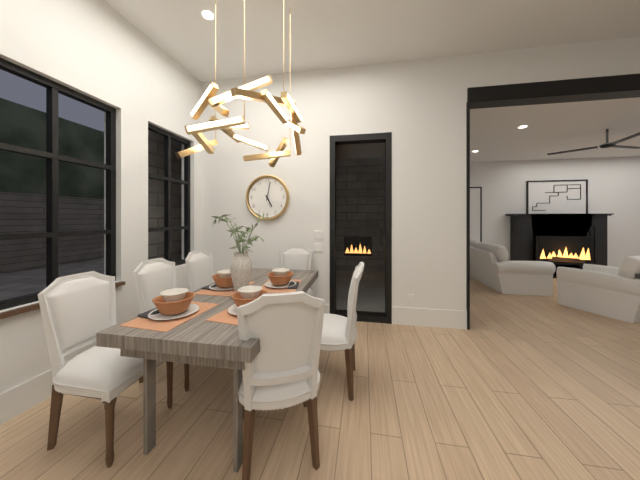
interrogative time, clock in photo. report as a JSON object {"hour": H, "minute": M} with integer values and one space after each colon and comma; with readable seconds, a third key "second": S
{"hour": 5, "minute": 2}
